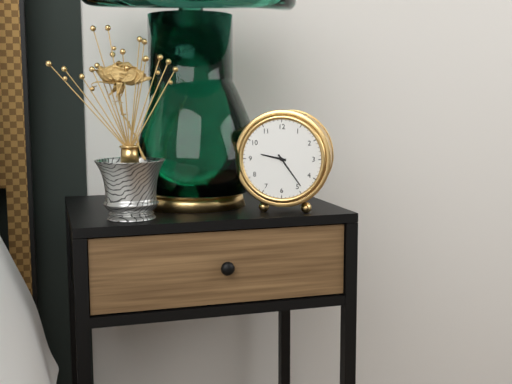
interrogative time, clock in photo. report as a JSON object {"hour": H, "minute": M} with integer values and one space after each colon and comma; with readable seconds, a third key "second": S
{"hour": 9, "minute": 24}
